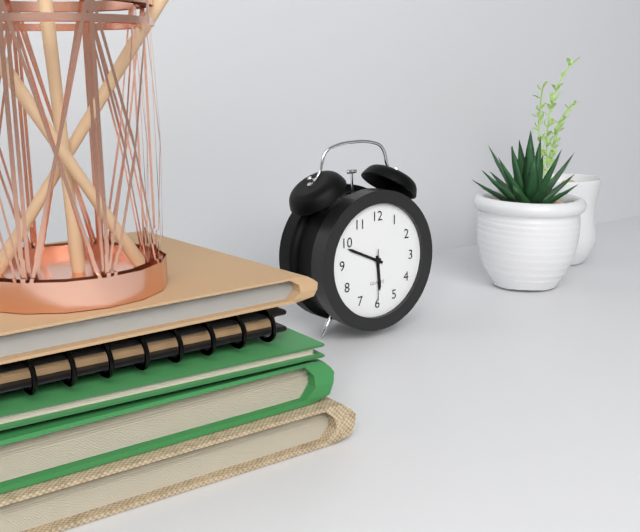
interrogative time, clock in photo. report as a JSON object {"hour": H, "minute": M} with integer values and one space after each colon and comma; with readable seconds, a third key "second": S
{"hour": 5, "minute": 49, "second": 30}
